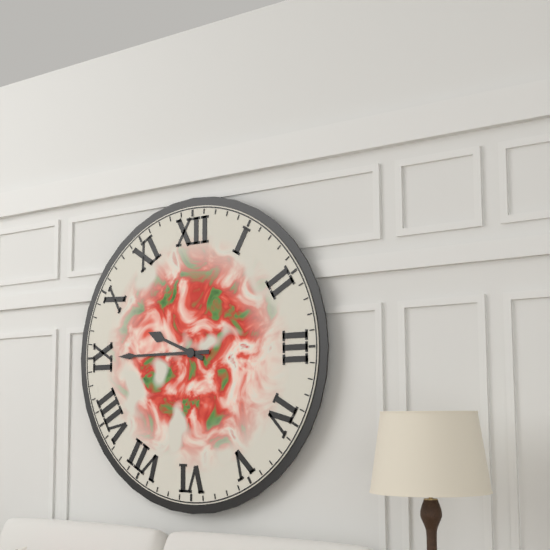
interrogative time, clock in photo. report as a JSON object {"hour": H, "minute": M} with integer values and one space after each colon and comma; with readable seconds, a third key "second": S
{"hour": 9, "minute": 45}
